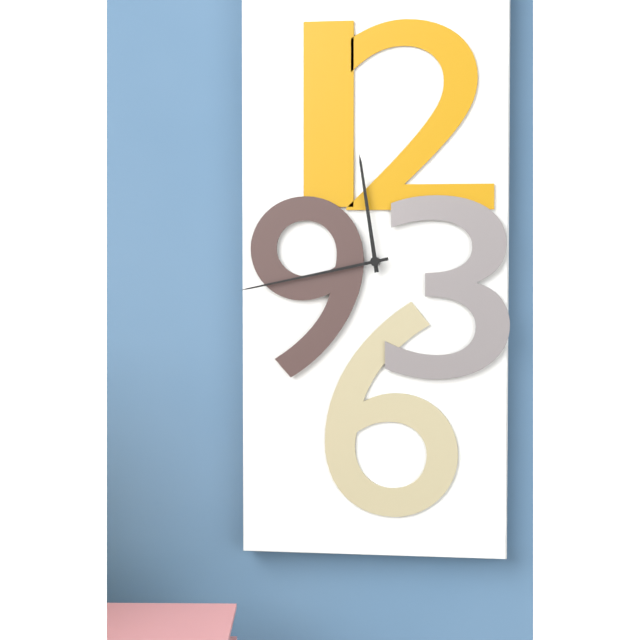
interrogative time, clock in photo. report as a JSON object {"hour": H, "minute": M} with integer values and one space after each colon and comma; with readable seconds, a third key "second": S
{"hour": 11, "minute": 43}
